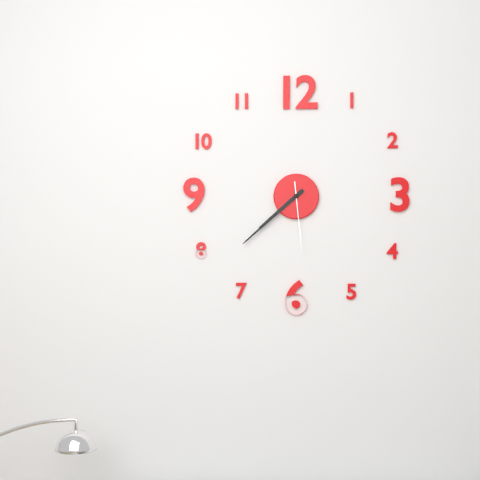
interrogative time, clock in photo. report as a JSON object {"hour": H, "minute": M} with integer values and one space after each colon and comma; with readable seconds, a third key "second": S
{"hour": 7, "minute": 38, "second": 29}
